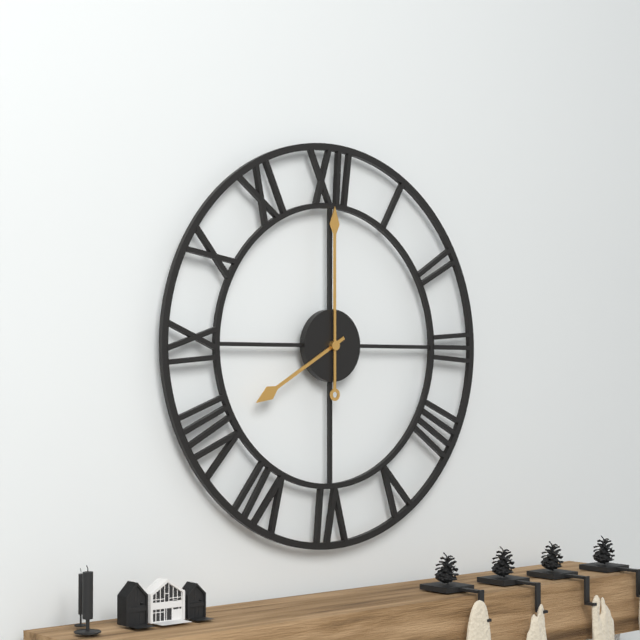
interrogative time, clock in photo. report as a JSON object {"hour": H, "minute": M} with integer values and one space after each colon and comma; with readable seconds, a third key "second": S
{"hour": 8, "minute": 0}
